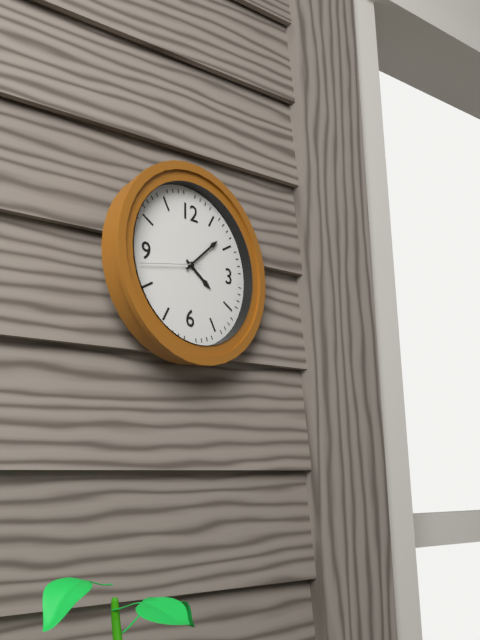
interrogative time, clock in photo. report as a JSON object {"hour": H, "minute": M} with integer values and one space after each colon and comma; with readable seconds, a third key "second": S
{"hour": 4, "minute": 8, "second": 43}
